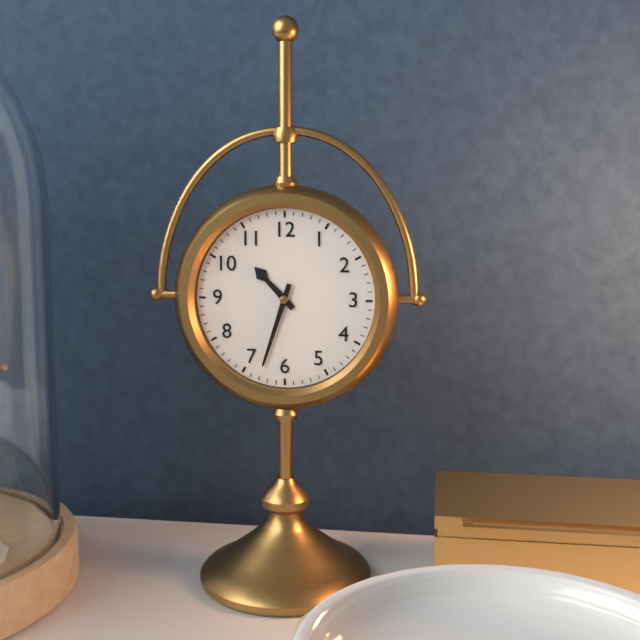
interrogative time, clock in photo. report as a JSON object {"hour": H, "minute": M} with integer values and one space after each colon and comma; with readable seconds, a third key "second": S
{"hour": 10, "minute": 33}
